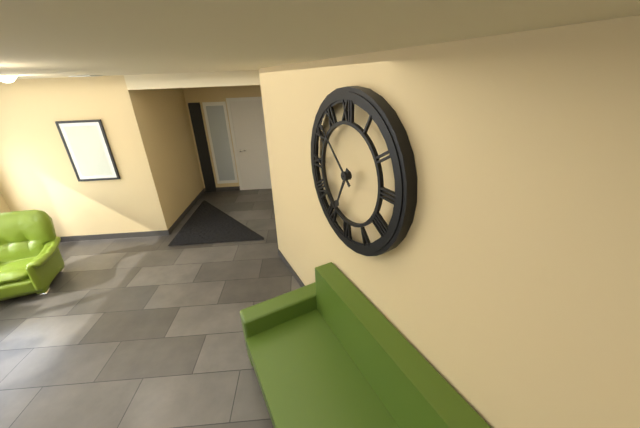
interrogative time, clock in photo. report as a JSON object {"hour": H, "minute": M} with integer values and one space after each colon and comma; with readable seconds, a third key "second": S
{"hour": 6, "minute": 52}
